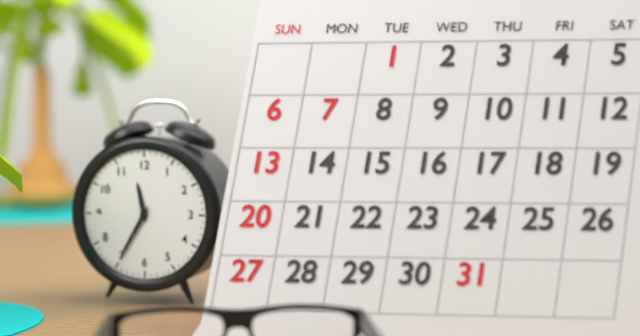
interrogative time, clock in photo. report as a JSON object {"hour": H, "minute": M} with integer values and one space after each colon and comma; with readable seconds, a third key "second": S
{"hour": 11, "minute": 35}
